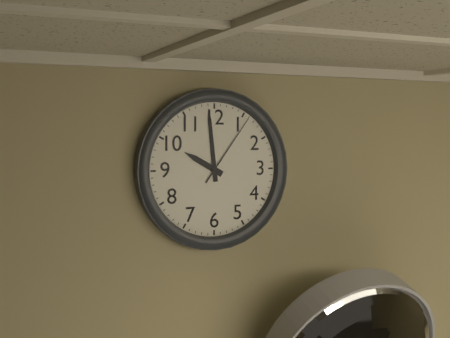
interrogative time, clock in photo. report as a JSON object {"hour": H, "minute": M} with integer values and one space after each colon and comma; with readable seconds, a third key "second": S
{"hour": 9, "minute": 59, "second": 6}
